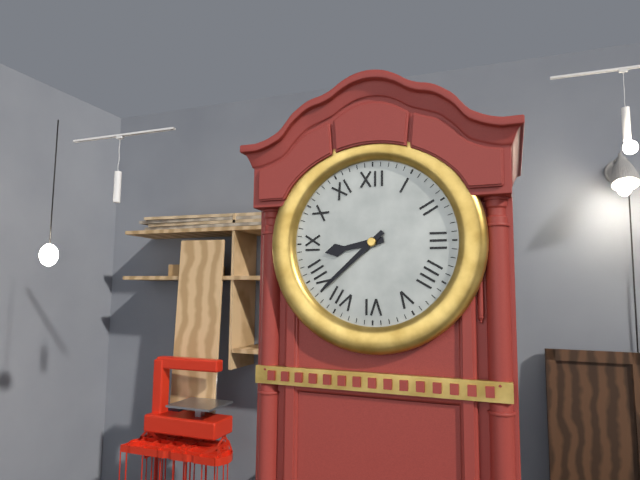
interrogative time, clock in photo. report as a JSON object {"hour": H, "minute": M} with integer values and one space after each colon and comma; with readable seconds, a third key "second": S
{"hour": 8, "minute": 38}
